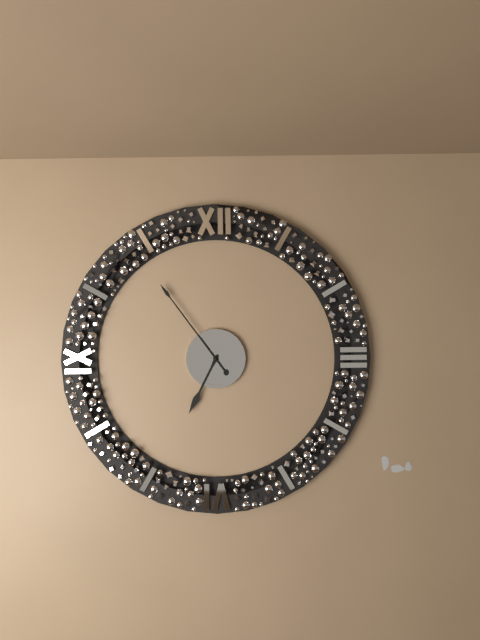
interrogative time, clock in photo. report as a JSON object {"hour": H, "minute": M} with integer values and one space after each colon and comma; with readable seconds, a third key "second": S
{"hour": 6, "minute": 54}
